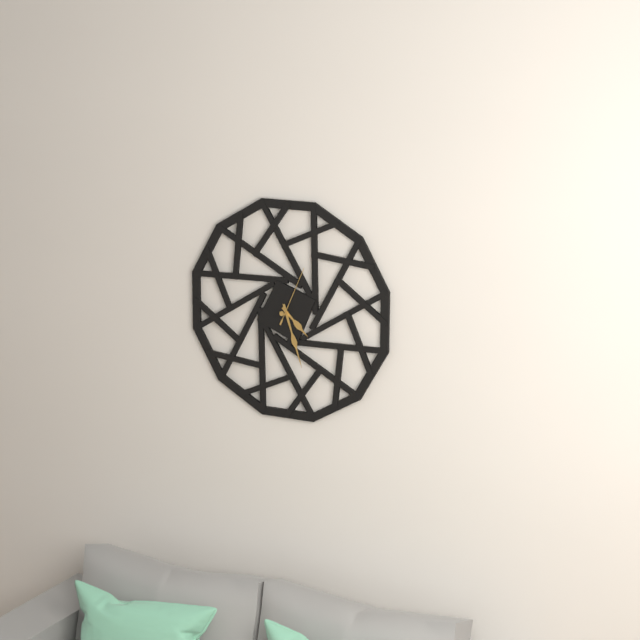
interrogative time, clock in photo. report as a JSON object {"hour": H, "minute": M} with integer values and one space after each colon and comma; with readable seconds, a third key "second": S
{"hour": 4, "minute": 27, "second": 4}
